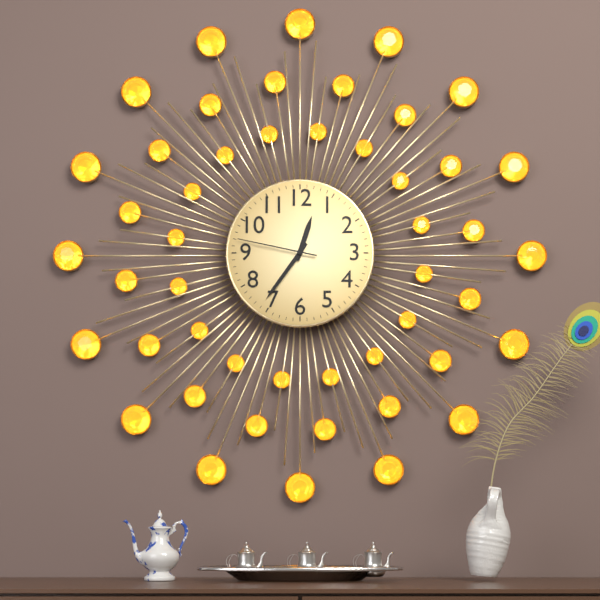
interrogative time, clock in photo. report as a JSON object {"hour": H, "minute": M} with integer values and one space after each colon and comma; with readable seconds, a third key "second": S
{"hour": 12, "minute": 36, "second": 47}
